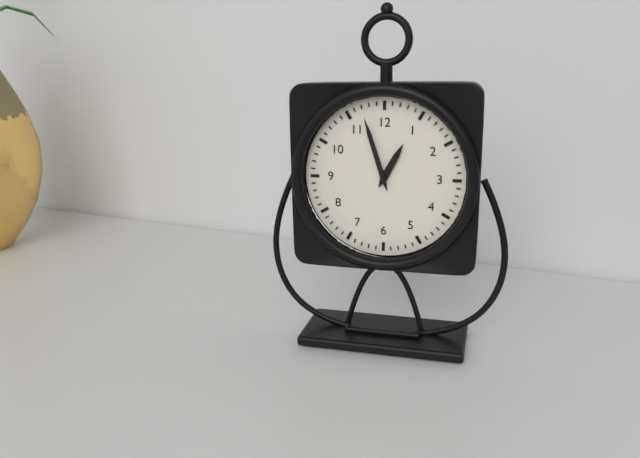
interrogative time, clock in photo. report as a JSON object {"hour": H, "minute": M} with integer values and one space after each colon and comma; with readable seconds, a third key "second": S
{"hour": 12, "minute": 57}
